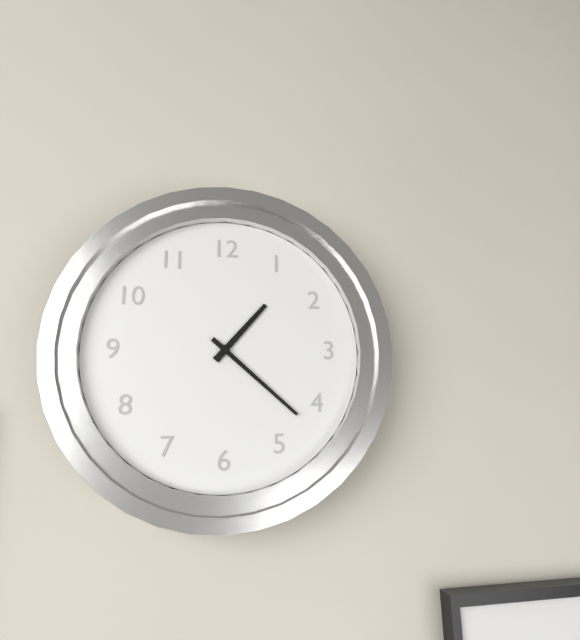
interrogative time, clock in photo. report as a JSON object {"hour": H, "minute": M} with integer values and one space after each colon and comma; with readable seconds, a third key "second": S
{"hour": 1, "minute": 22}
